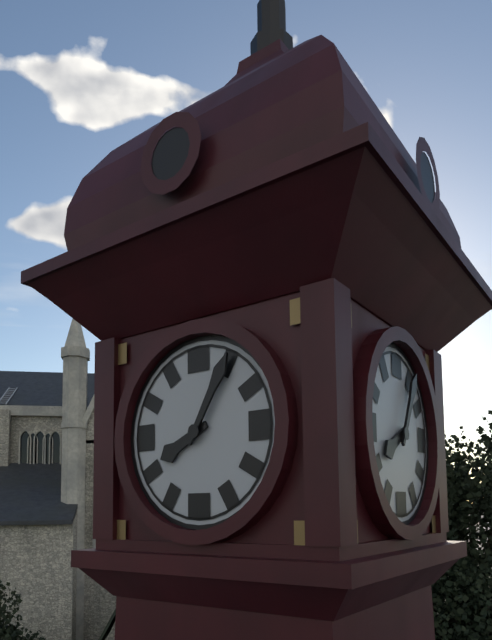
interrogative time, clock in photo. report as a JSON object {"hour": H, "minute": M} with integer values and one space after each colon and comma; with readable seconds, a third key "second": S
{"hour": 8, "minute": 5}
